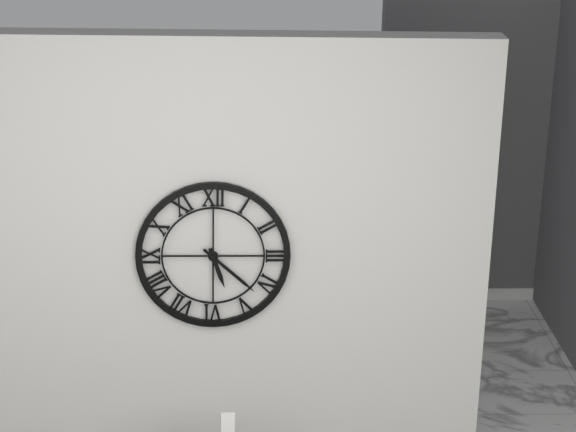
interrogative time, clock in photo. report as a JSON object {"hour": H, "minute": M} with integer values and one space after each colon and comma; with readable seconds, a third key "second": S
{"hour": 5, "minute": 22}
